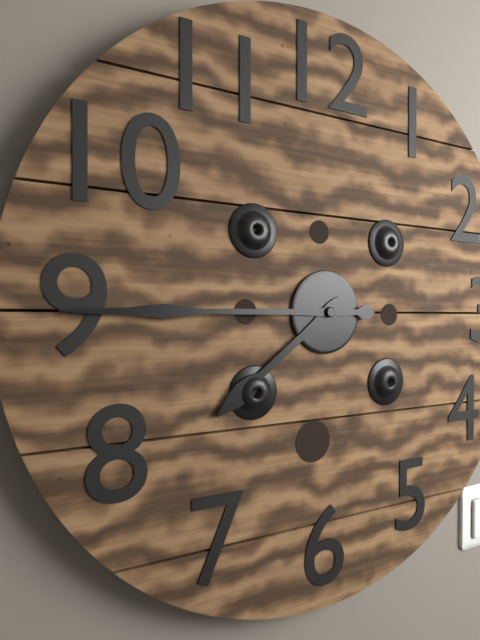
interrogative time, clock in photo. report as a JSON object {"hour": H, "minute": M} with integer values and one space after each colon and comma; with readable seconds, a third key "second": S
{"hour": 7, "minute": 45}
